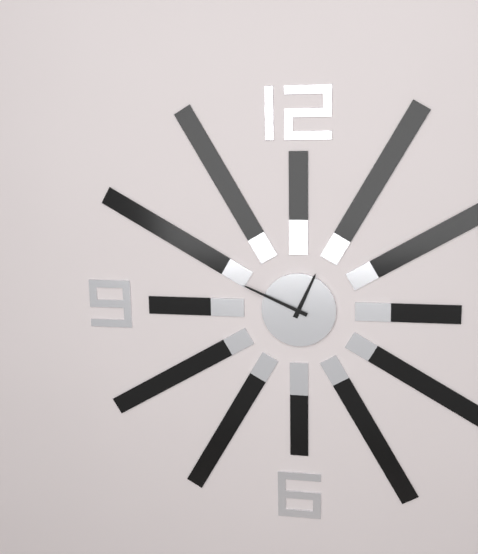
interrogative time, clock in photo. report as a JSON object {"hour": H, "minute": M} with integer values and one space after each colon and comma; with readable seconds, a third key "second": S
{"hour": 12, "minute": 49}
